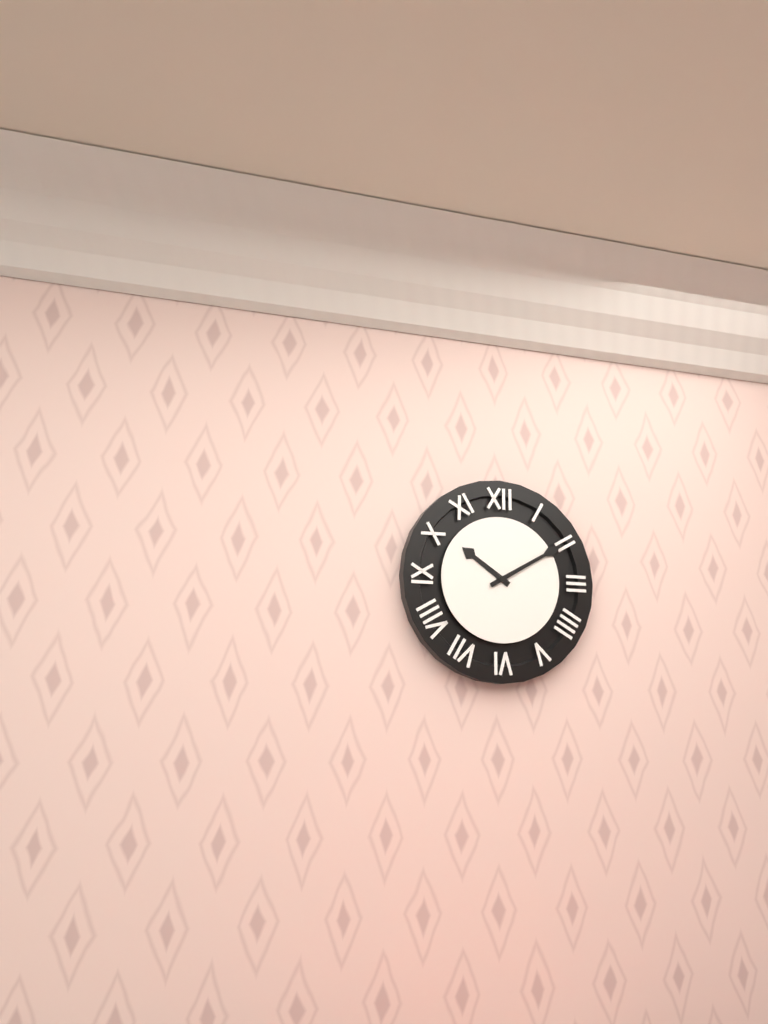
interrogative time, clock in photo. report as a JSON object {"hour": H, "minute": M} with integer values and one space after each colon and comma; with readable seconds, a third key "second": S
{"hour": 10, "minute": 10}
